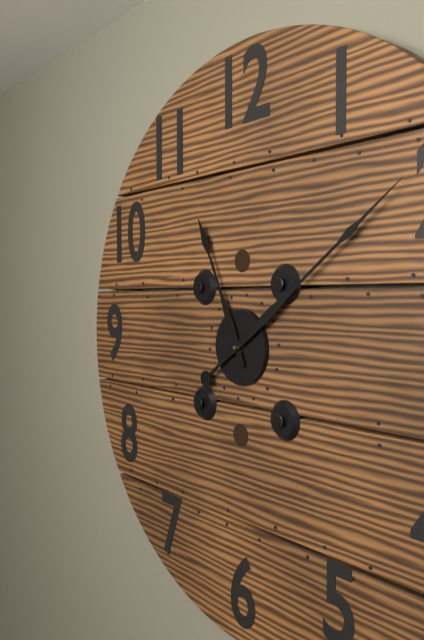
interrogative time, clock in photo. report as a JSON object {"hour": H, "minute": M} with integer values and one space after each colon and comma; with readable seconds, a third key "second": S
{"hour": 11, "minute": 9}
